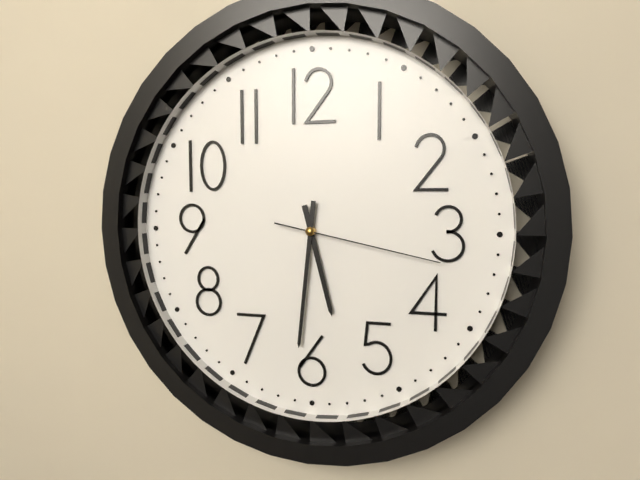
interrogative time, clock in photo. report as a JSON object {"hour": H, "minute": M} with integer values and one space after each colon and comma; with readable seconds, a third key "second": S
{"hour": 5, "minute": 31, "second": 17}
